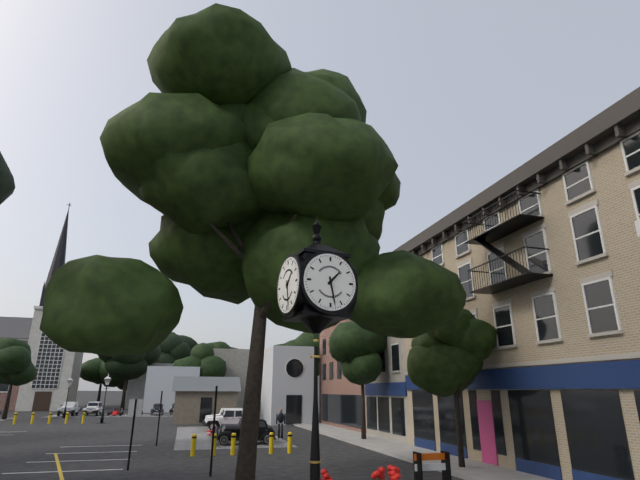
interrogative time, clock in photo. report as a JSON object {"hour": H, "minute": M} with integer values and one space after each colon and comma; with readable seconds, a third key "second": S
{"hour": 1, "minute": 28}
